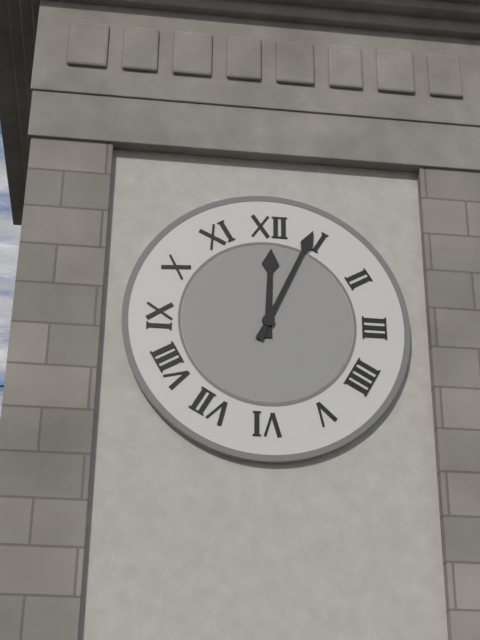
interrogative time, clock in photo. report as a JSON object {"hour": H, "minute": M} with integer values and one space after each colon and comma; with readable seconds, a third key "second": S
{"hour": 12, "minute": 4}
